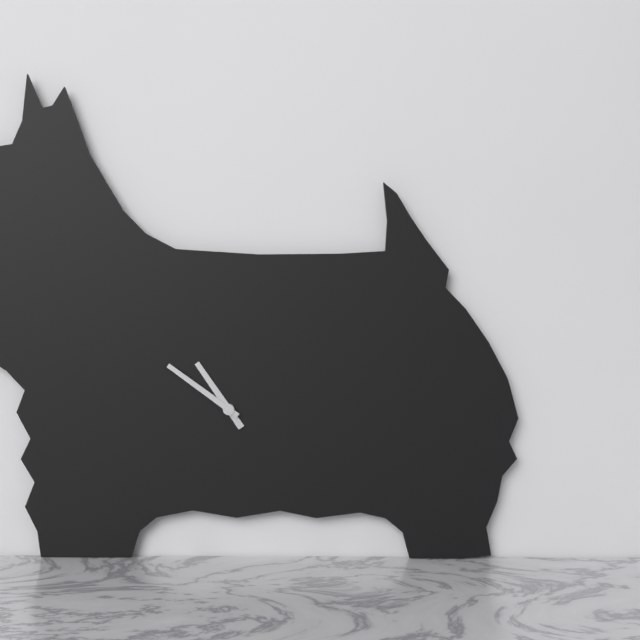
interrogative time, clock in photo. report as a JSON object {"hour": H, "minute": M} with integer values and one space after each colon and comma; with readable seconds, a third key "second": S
{"hour": 10, "minute": 51}
